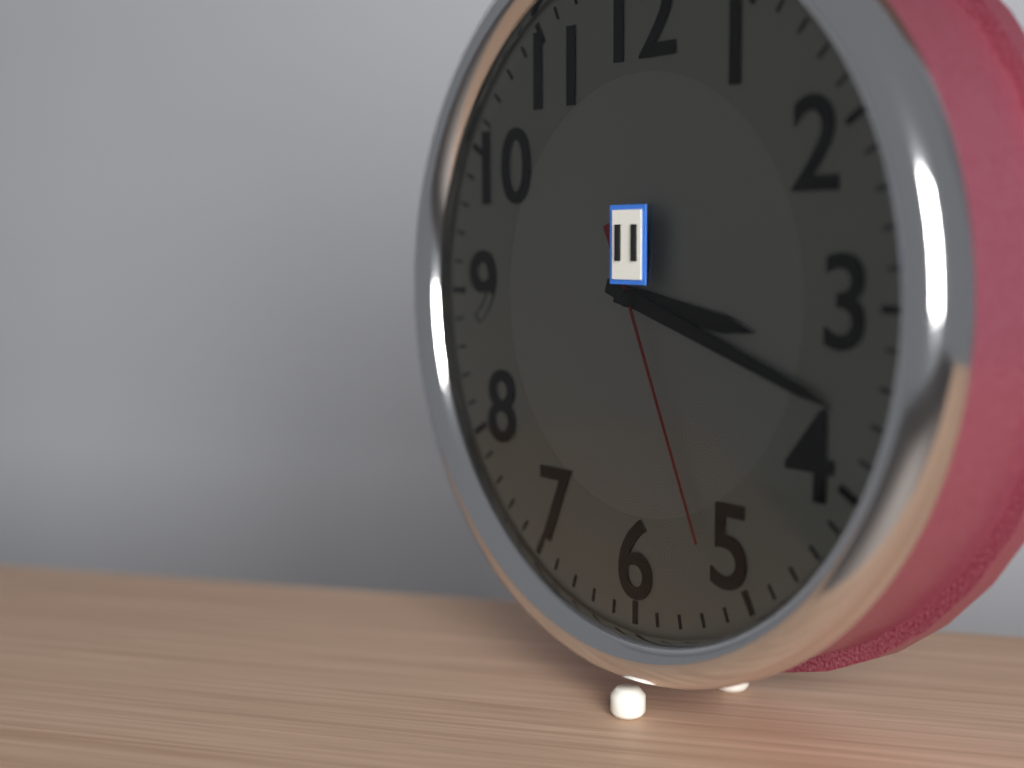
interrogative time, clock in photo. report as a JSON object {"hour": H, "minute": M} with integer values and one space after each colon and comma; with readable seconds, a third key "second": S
{"hour": 3, "minute": 18, "second": 26}
